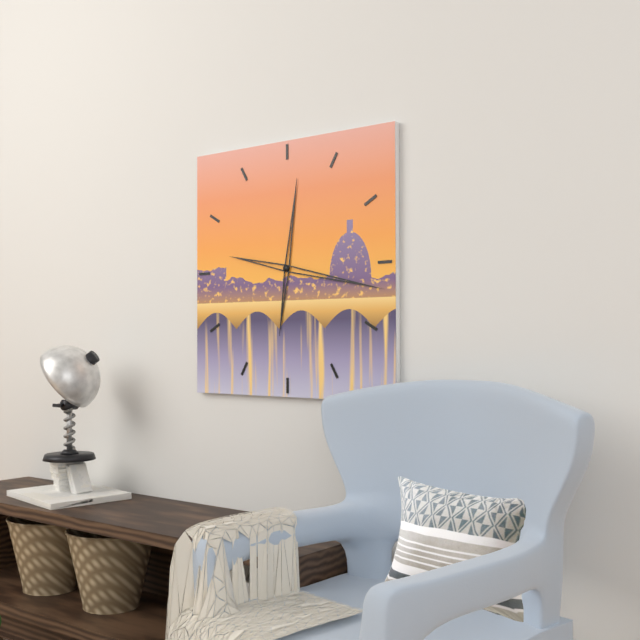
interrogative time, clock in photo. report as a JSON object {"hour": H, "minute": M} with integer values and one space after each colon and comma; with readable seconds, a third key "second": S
{"hour": 12, "minute": 17}
